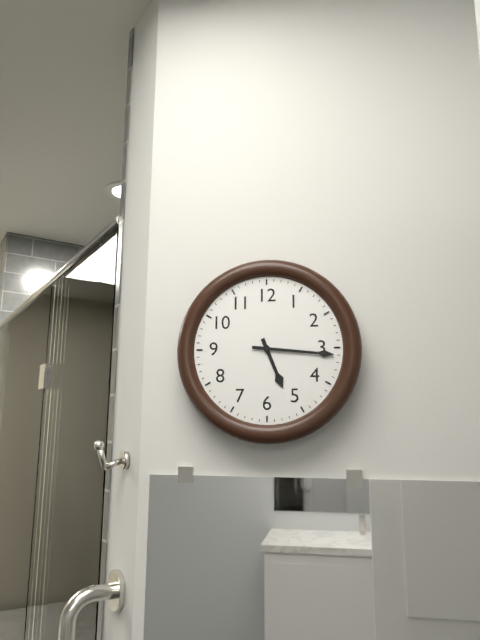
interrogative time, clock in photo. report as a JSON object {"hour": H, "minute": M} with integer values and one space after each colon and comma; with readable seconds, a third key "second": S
{"hour": 5, "minute": 16}
